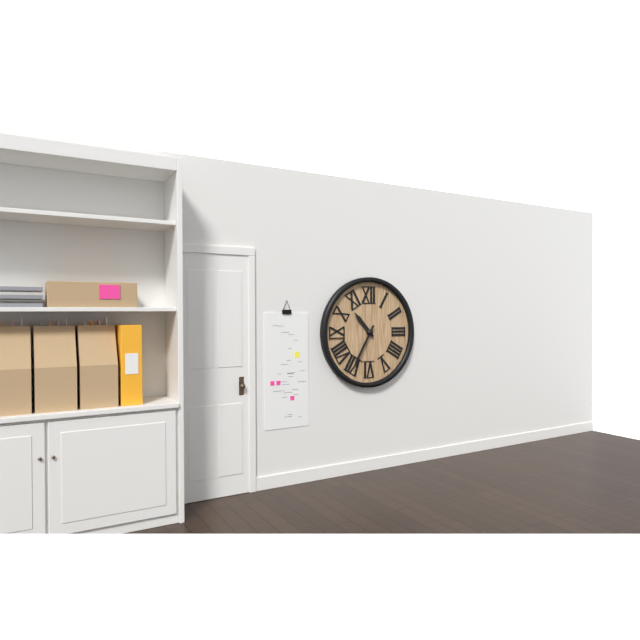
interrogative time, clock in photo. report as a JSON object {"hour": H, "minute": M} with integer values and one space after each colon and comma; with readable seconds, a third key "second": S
{"hour": 10, "minute": 35}
